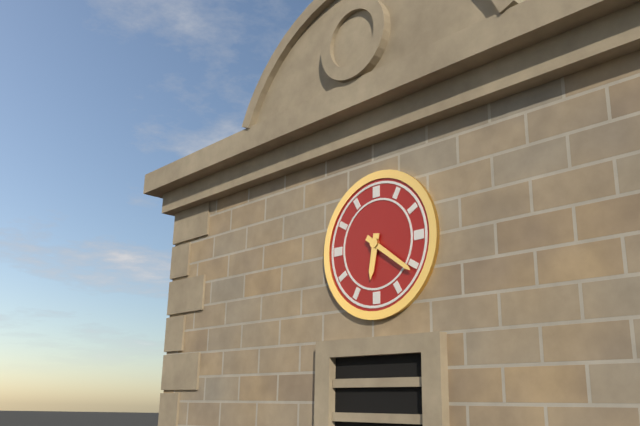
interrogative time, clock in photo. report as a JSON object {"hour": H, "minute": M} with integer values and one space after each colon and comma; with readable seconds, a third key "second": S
{"hour": 6, "minute": 21}
